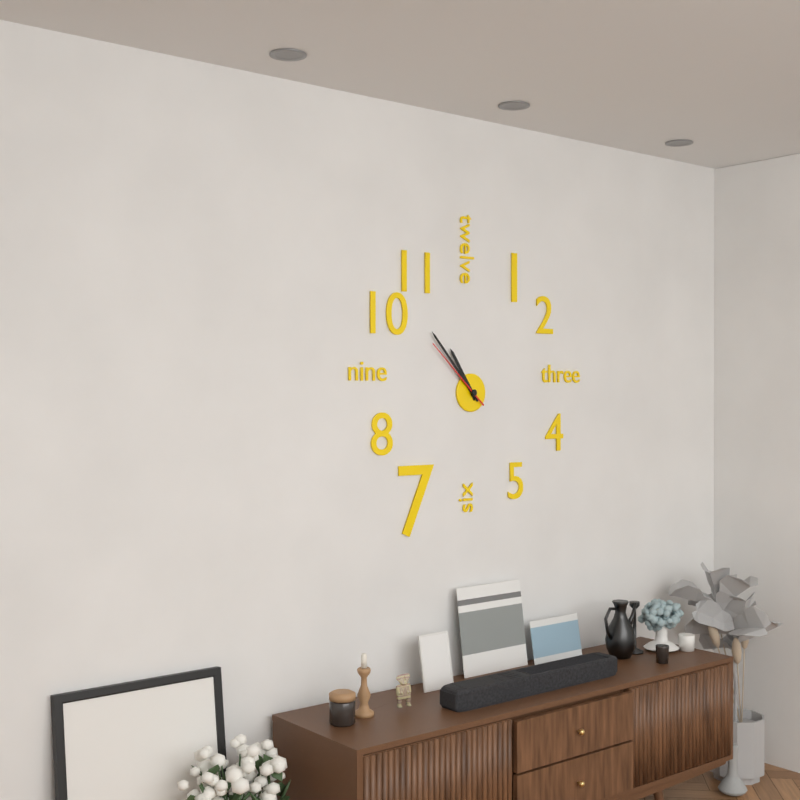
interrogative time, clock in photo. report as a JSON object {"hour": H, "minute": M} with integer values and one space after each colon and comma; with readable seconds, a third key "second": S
{"hour": 10, "minute": 53, "second": 52}
